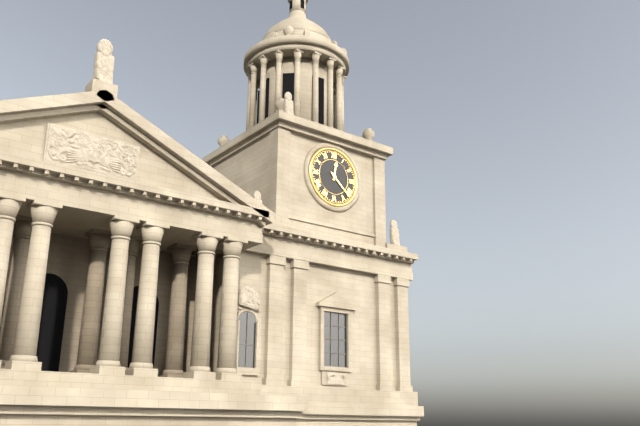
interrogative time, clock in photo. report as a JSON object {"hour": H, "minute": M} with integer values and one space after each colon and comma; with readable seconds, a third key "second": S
{"hour": 12, "minute": 22}
